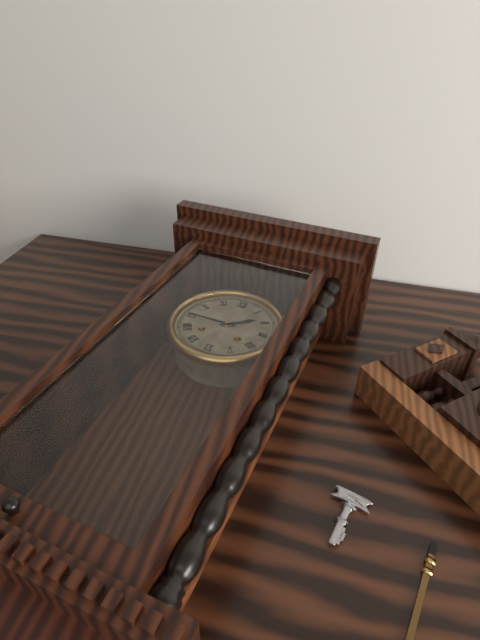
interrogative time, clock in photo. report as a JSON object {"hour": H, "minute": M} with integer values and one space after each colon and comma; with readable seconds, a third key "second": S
{"hour": 1, "minute": 45}
